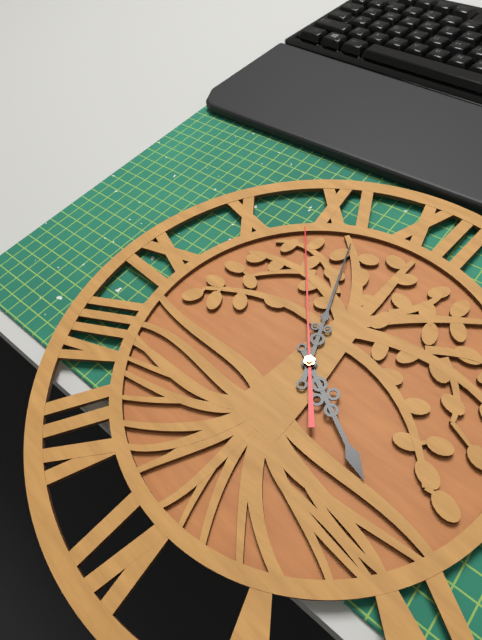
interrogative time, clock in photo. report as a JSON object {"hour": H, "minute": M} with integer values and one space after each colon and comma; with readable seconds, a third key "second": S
{"hour": 3, "minute": 56, "second": 53}
